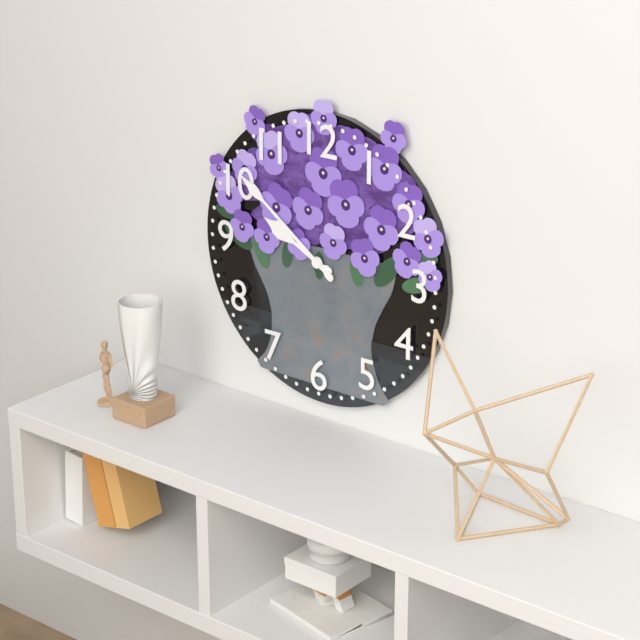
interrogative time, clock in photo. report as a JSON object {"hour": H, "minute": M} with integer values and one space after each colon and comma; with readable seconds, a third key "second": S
{"hour": 9, "minute": 51}
